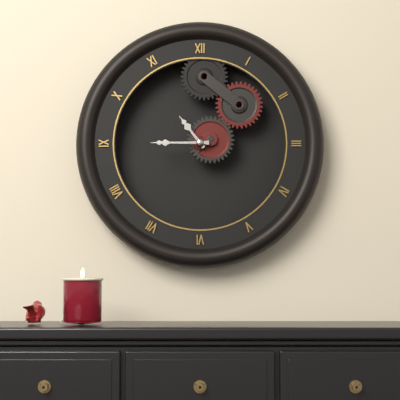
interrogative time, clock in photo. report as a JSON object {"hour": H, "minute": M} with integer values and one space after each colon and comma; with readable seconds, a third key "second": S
{"hour": 10, "minute": 45}
